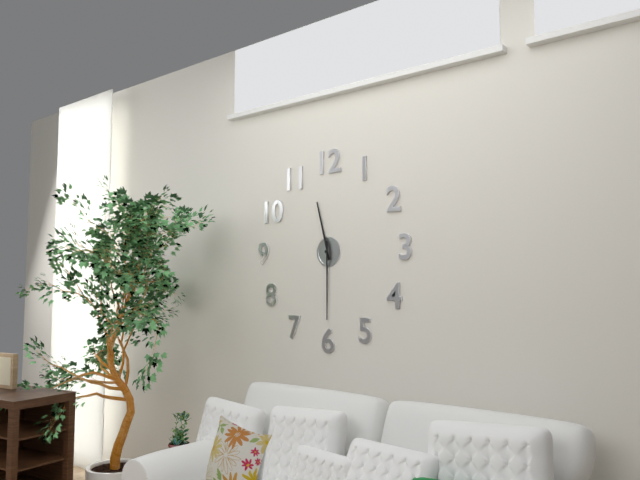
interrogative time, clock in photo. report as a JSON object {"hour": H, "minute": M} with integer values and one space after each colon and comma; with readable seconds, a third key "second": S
{"hour": 11, "minute": 30}
